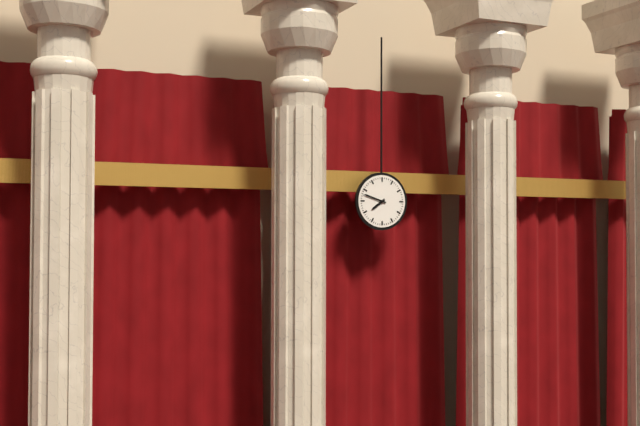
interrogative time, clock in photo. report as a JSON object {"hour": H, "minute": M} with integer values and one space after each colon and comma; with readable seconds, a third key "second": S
{"hour": 7, "minute": 48}
